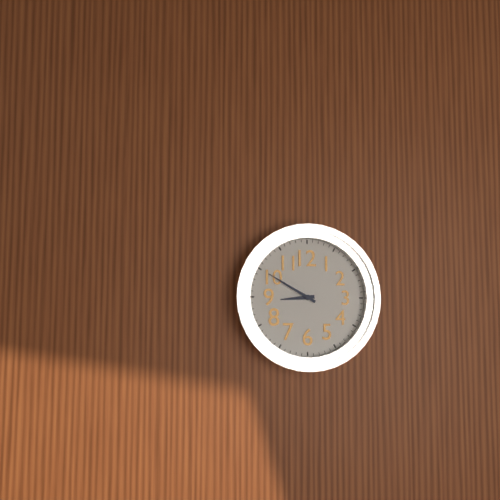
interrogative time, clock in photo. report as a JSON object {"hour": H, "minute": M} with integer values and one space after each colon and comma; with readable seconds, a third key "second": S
{"hour": 8, "minute": 50}
